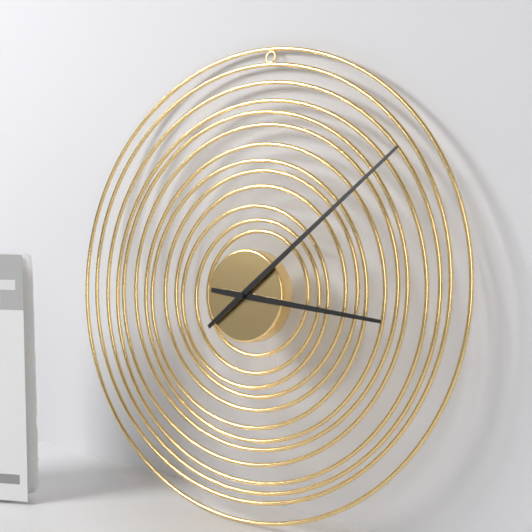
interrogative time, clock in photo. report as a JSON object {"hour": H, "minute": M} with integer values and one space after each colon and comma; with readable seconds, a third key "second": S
{"hour": 3, "minute": 8}
